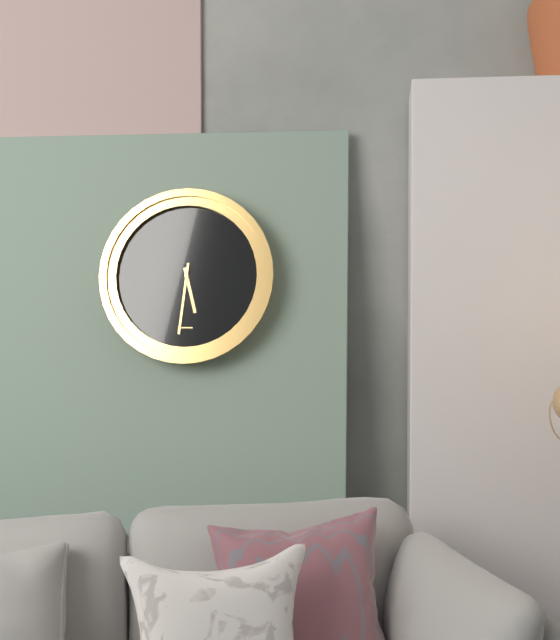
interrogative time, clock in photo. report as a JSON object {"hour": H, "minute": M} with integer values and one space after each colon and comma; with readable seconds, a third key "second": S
{"hour": 5, "minute": 31}
